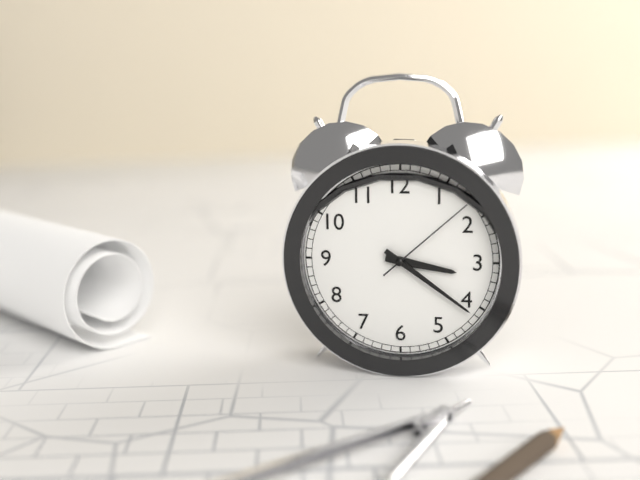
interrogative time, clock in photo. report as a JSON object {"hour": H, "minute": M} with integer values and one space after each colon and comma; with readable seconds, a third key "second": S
{"hour": 3, "minute": 21, "second": 8}
